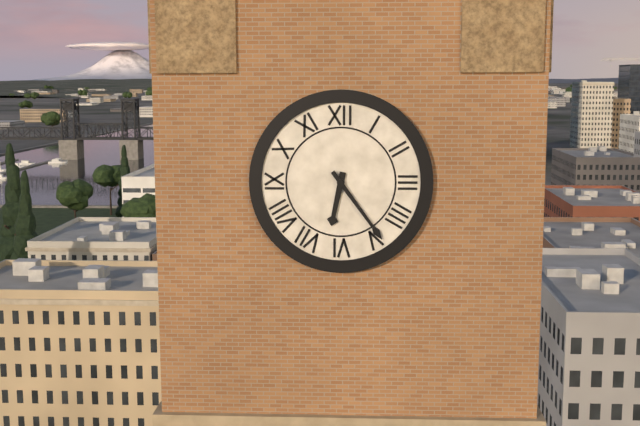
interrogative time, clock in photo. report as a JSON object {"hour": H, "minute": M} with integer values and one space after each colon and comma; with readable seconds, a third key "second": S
{"hour": 6, "minute": 24}
